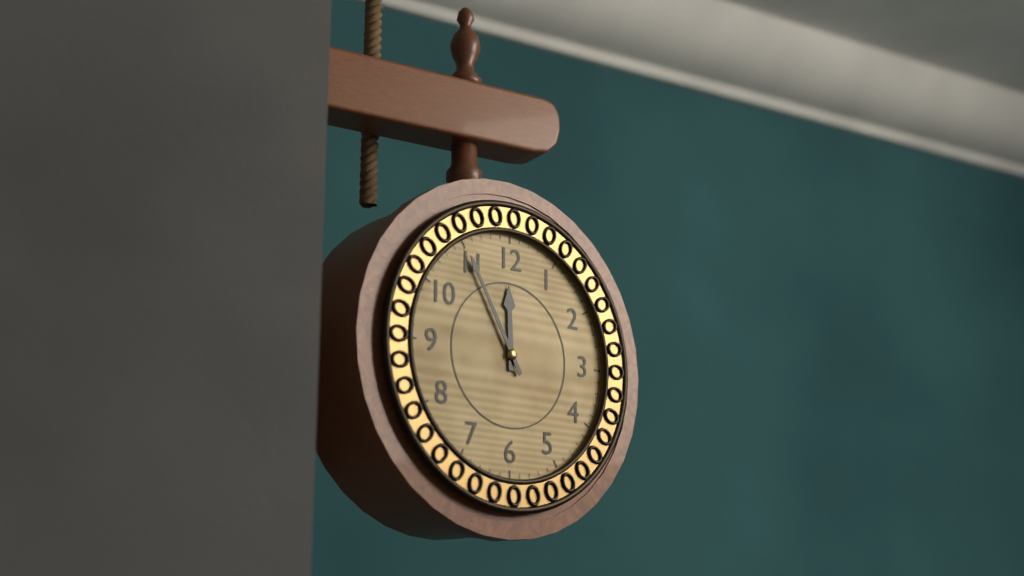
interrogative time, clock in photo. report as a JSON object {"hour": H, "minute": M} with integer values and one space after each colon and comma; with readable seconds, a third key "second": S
{"hour": 11, "minute": 55}
